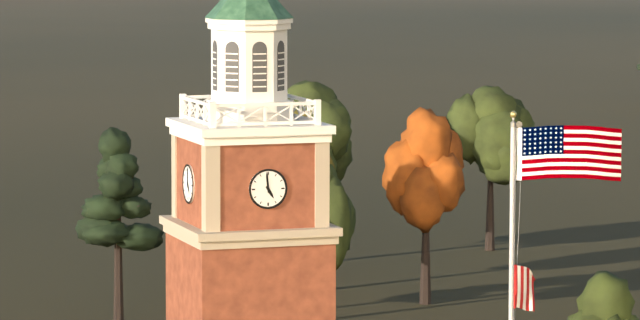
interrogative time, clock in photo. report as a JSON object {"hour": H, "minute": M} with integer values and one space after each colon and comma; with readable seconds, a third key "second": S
{"hour": 4, "minute": 59}
